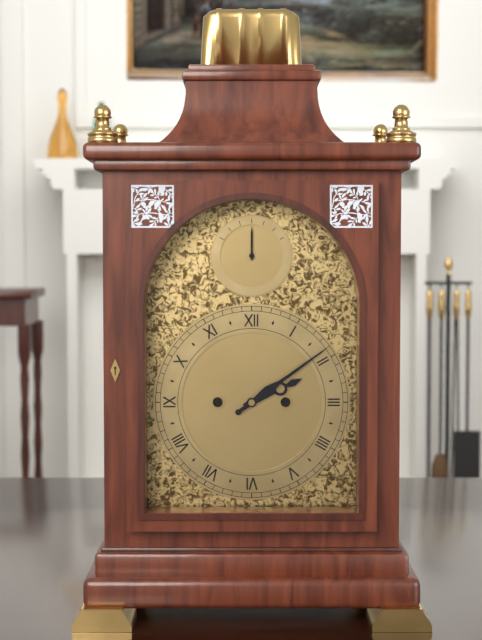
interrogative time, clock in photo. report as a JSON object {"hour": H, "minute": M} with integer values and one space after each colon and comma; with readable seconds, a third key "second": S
{"hour": 2, "minute": 9}
